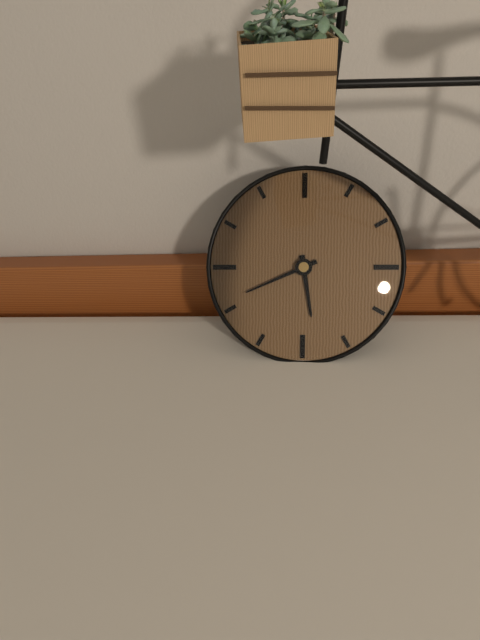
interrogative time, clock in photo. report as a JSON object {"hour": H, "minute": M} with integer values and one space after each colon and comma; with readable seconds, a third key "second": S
{"hour": 5, "minute": 41}
